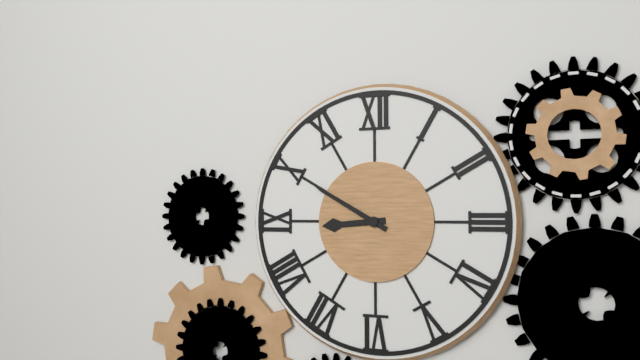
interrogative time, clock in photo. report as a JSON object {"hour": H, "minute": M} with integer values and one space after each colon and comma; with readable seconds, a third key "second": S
{"hour": 8, "minute": 50}
